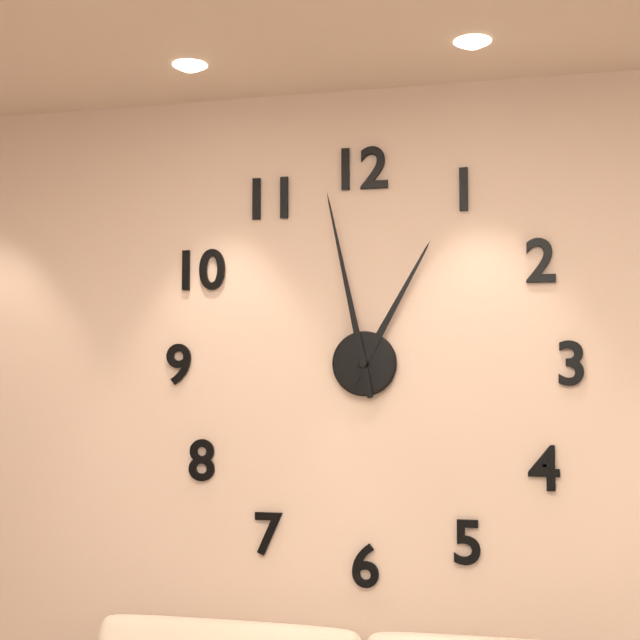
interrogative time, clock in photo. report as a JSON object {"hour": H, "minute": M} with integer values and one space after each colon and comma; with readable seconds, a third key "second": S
{"hour": 12, "minute": 58}
